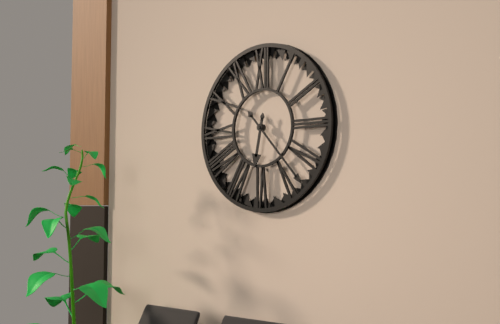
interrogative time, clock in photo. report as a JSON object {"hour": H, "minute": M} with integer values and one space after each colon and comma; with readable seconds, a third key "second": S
{"hour": 6, "minute": 23}
